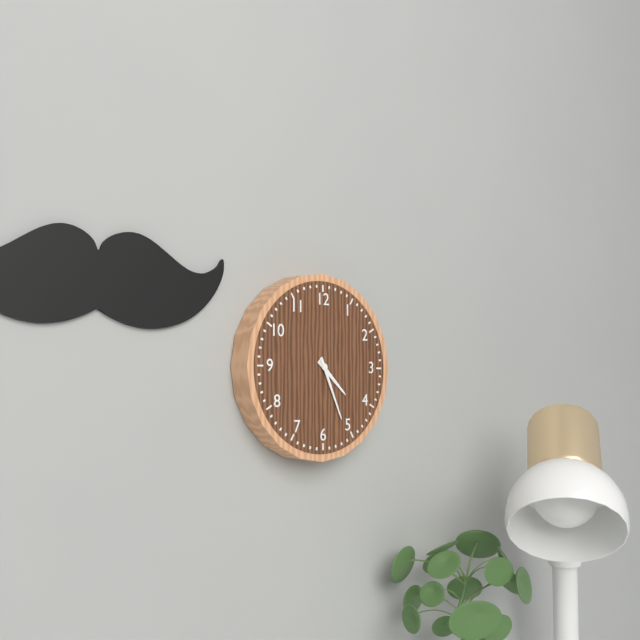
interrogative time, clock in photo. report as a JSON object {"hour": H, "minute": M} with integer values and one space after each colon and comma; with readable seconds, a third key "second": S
{"hour": 4, "minute": 26}
